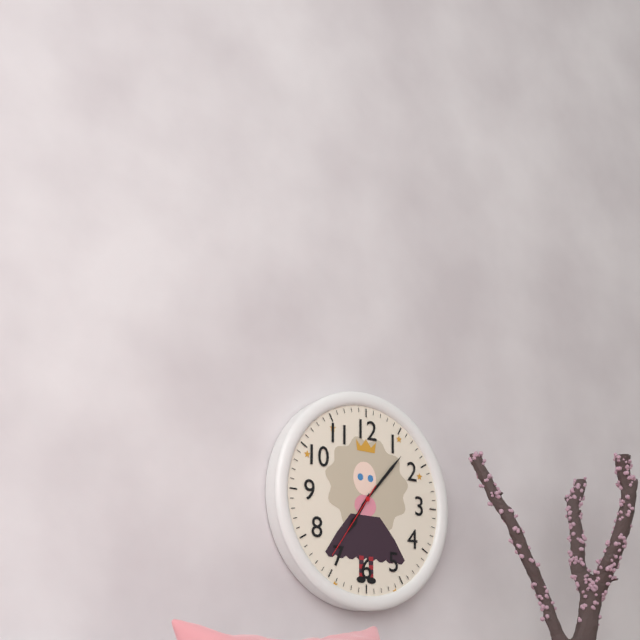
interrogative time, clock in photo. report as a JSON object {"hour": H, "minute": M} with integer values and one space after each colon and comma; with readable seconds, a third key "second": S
{"hour": 7, "minute": 7, "second": 36}
